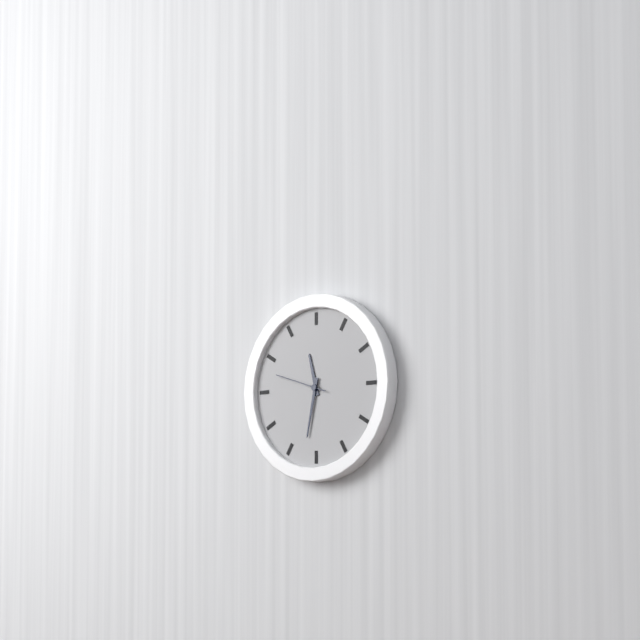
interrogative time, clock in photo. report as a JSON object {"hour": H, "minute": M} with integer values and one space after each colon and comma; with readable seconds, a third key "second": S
{"hour": 11, "minute": 32, "second": 48}
